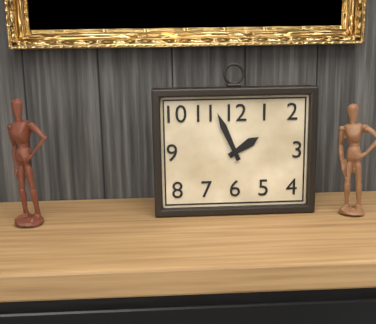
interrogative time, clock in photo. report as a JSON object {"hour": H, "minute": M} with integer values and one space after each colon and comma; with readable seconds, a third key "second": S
{"hour": 1, "minute": 56}
